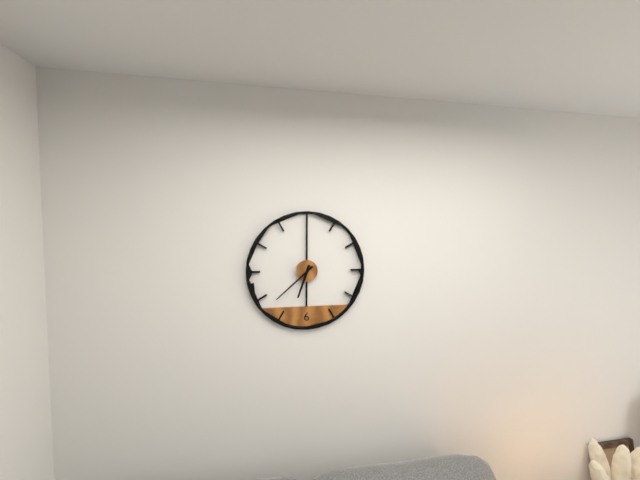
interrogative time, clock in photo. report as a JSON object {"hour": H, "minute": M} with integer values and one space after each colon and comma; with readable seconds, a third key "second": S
{"hour": 6, "minute": 38}
